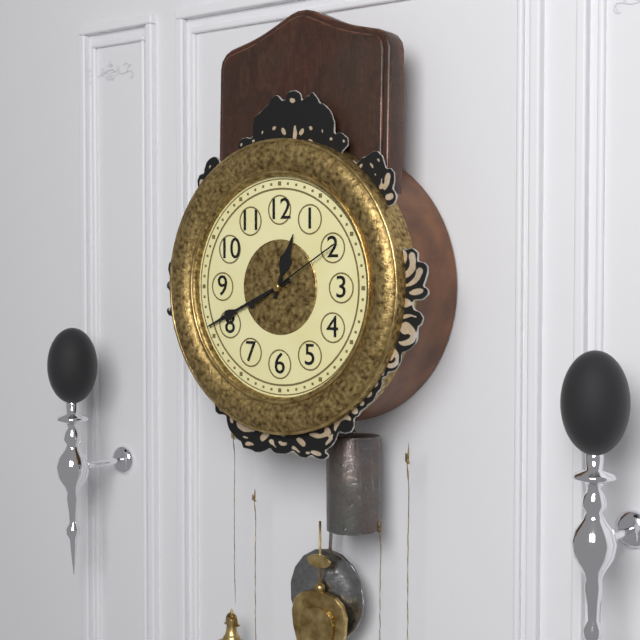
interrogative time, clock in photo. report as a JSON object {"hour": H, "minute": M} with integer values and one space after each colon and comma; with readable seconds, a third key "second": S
{"hour": 12, "minute": 41, "second": 10}
